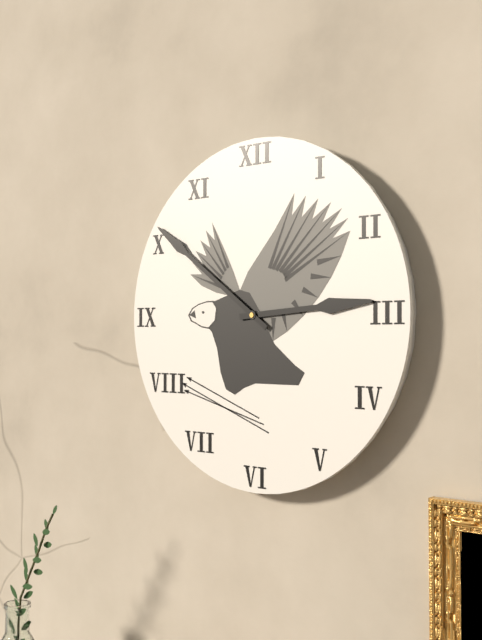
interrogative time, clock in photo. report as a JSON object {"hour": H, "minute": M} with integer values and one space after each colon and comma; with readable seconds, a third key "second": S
{"hour": 2, "minute": 51}
